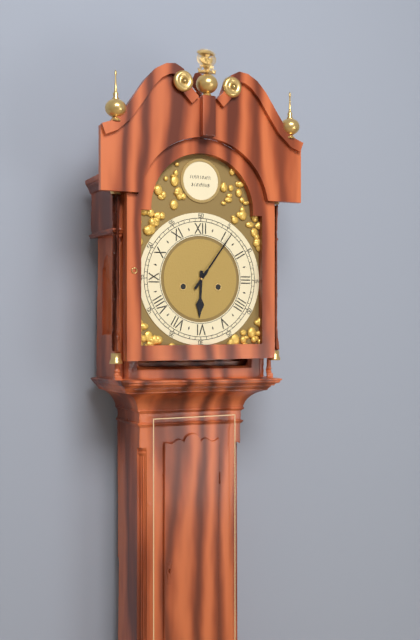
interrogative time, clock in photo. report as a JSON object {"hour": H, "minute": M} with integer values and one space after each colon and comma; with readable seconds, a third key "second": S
{"hour": 6, "minute": 6}
